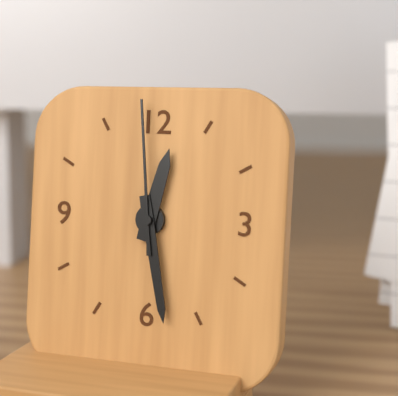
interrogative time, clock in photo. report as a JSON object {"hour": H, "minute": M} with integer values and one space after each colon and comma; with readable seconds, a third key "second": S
{"hour": 12, "minute": 28, "second": 59}
